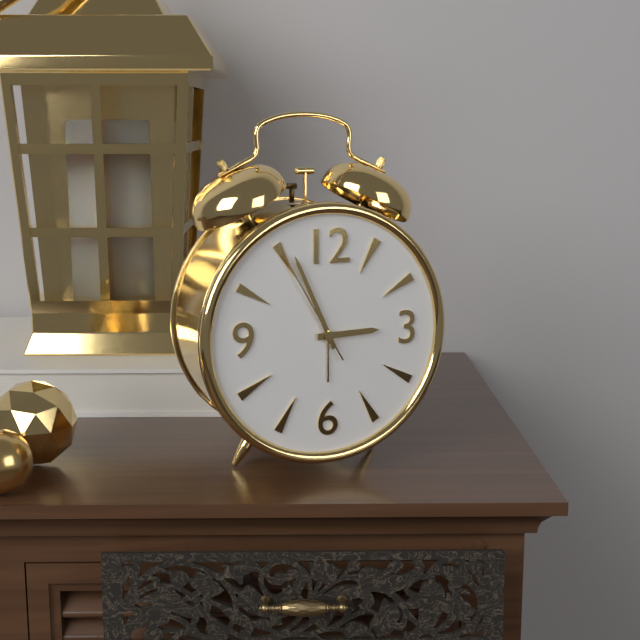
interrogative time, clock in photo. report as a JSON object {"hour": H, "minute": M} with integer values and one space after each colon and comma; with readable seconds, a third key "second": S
{"hour": 2, "minute": 56, "second": 55}
